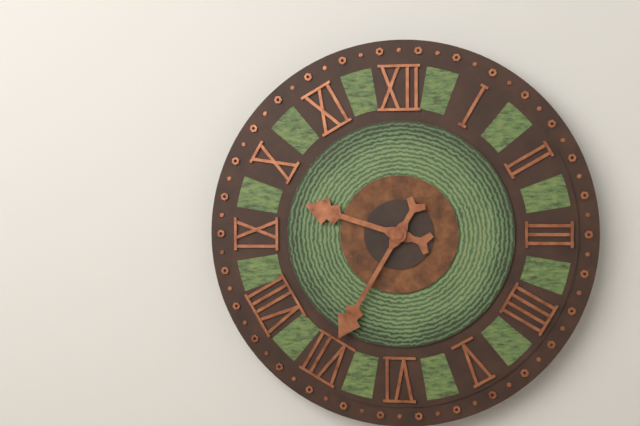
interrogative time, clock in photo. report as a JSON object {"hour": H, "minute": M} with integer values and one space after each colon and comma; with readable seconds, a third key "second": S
{"hour": 9, "minute": 35}
